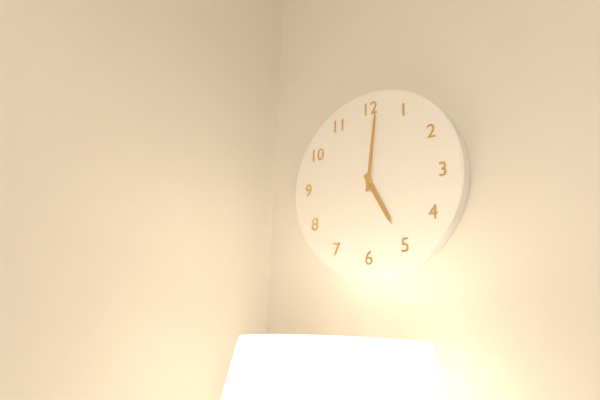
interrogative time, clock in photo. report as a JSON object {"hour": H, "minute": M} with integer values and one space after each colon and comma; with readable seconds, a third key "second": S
{"hour": 5, "minute": 1}
